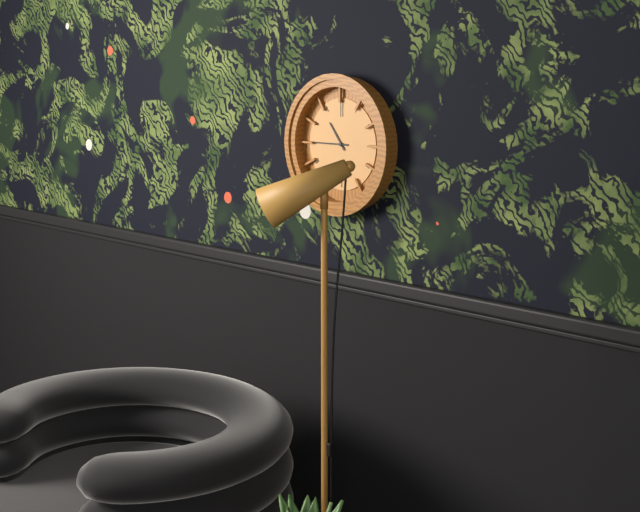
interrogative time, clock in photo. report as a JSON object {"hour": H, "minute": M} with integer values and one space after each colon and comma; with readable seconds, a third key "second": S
{"hour": 10, "minute": 45}
